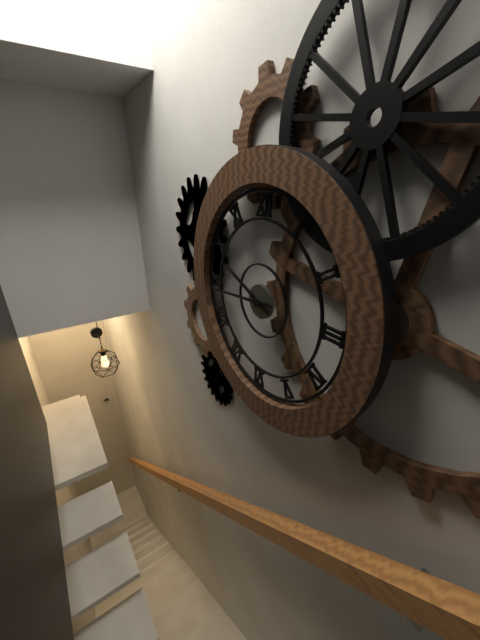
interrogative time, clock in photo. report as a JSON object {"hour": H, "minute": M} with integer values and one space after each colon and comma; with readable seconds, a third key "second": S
{"hour": 9, "minute": 44}
